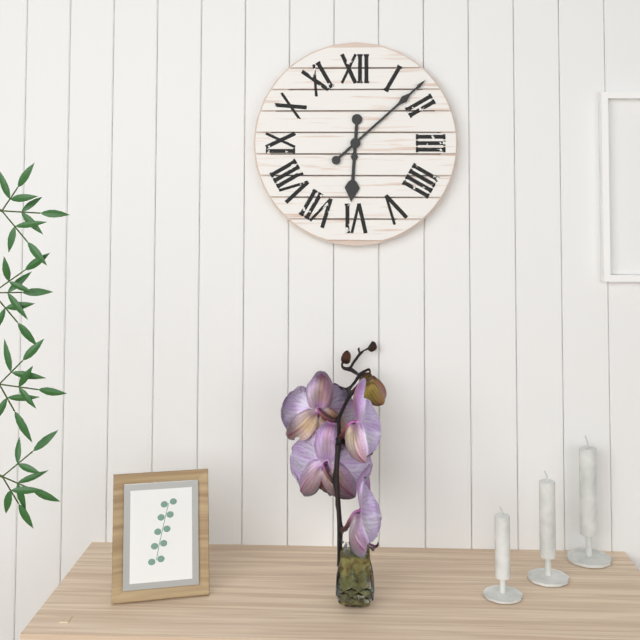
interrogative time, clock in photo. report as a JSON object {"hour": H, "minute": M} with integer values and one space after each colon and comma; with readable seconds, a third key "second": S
{"hour": 6, "minute": 8}
